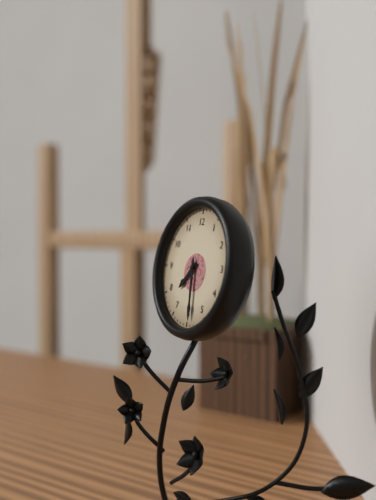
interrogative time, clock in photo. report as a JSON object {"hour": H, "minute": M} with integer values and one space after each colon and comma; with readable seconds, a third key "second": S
{"hour": 7, "minute": 29}
